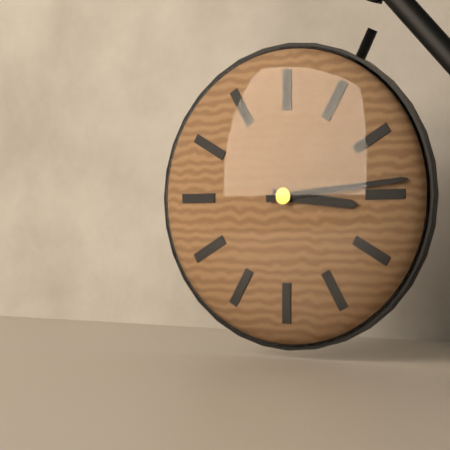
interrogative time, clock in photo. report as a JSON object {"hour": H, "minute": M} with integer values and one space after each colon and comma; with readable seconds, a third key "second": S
{"hour": 3, "minute": 14}
